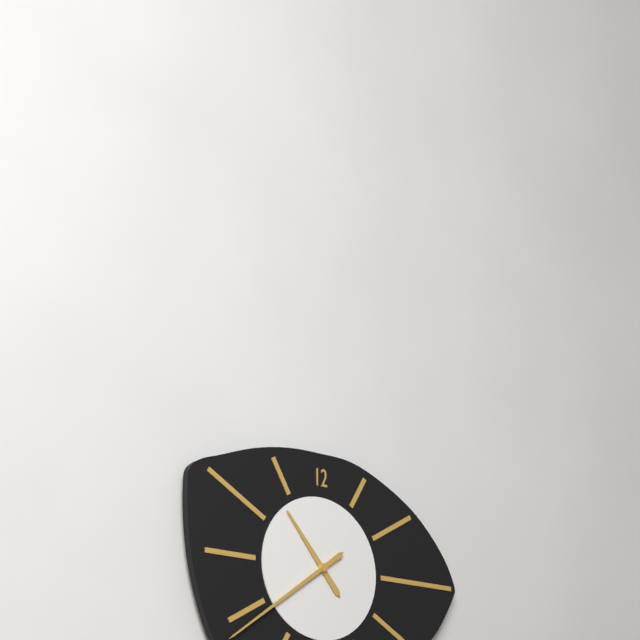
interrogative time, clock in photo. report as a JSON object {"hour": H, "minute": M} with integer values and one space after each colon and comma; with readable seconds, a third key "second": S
{"hour": 10, "minute": 39}
